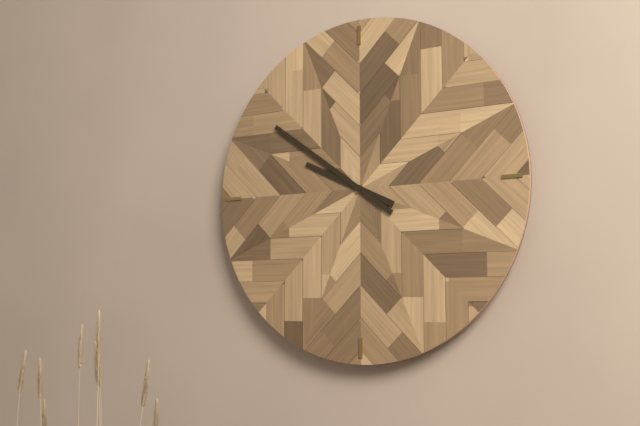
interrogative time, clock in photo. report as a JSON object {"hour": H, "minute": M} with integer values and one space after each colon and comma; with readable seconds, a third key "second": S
{"hour": 9, "minute": 51}
